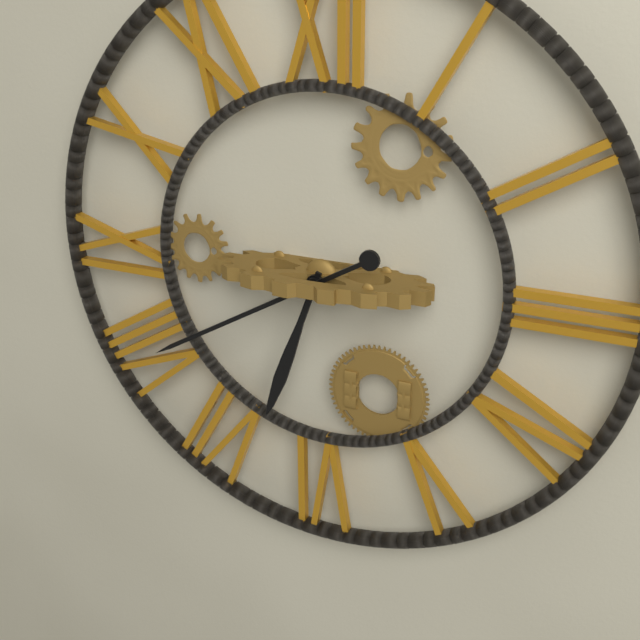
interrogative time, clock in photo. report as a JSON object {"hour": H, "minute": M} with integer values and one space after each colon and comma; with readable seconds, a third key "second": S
{"hour": 6, "minute": 40}
